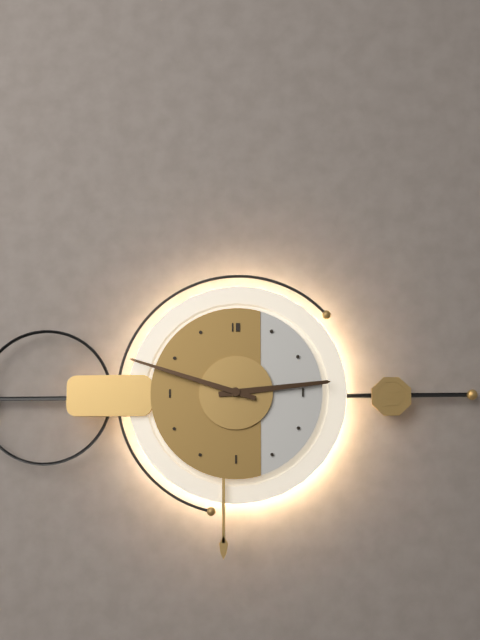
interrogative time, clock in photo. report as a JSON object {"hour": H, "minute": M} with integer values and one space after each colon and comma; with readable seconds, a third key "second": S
{"hour": 2, "minute": 48}
